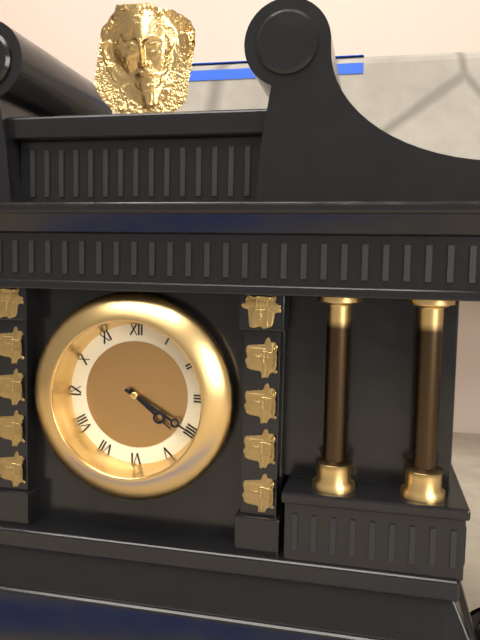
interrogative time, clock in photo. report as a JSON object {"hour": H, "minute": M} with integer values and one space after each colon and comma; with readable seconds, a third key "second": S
{"hour": 4, "minute": 20}
